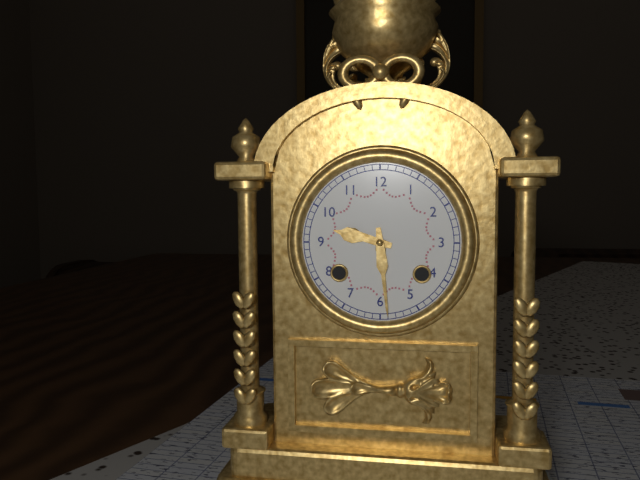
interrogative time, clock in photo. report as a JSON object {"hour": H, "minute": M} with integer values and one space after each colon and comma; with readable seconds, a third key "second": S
{"hour": 9, "minute": 29}
